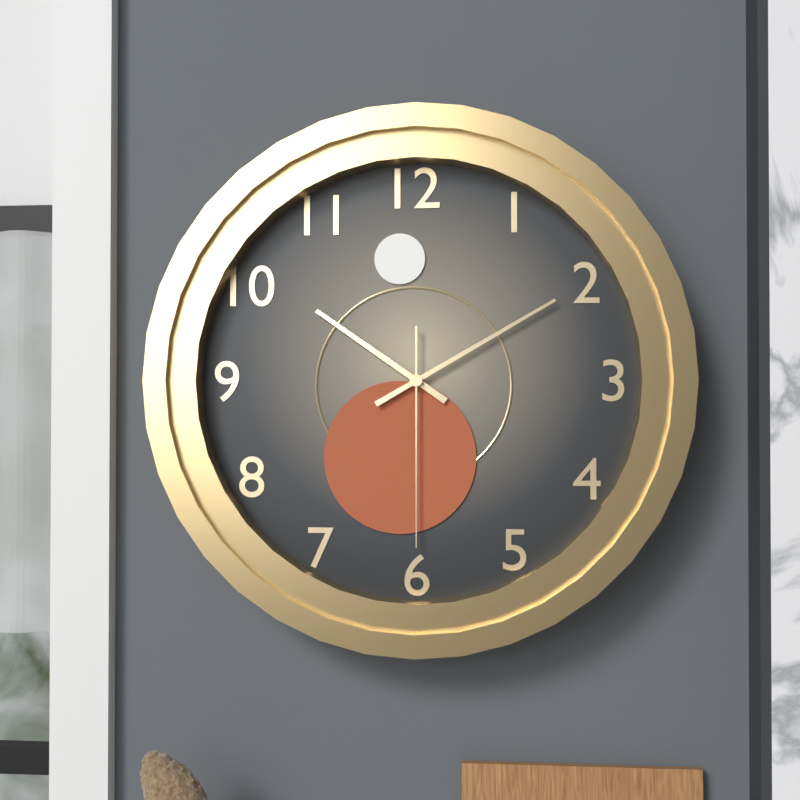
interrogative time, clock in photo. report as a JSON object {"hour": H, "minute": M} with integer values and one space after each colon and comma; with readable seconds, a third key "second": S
{"hour": 10, "minute": 10, "second": 30}
